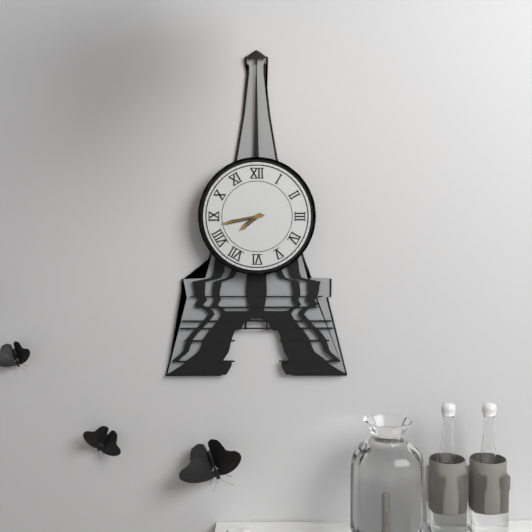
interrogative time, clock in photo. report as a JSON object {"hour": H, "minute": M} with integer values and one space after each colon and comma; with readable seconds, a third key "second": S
{"hour": 7, "minute": 43}
